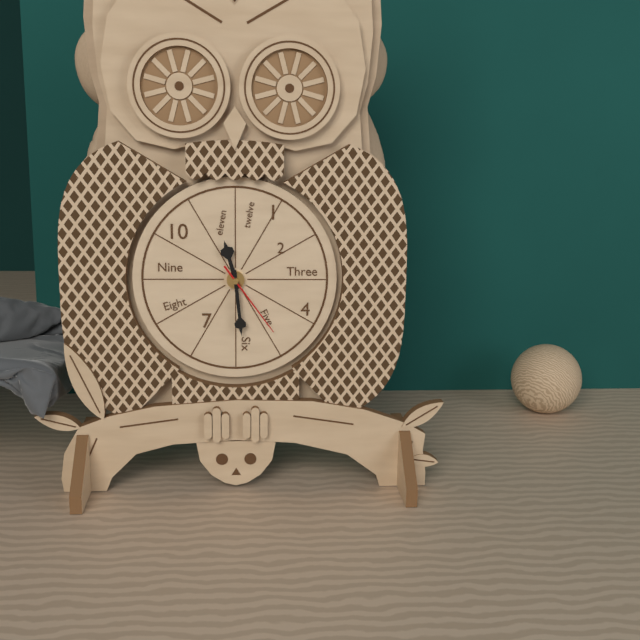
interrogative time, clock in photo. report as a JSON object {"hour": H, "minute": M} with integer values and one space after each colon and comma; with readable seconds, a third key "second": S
{"hour": 11, "minute": 29, "second": 24}
